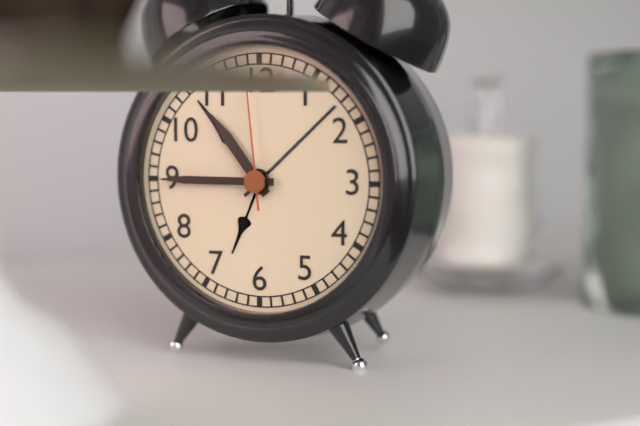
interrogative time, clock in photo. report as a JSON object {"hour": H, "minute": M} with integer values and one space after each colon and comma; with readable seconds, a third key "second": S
{"hour": 10, "minute": 45, "second": 59}
